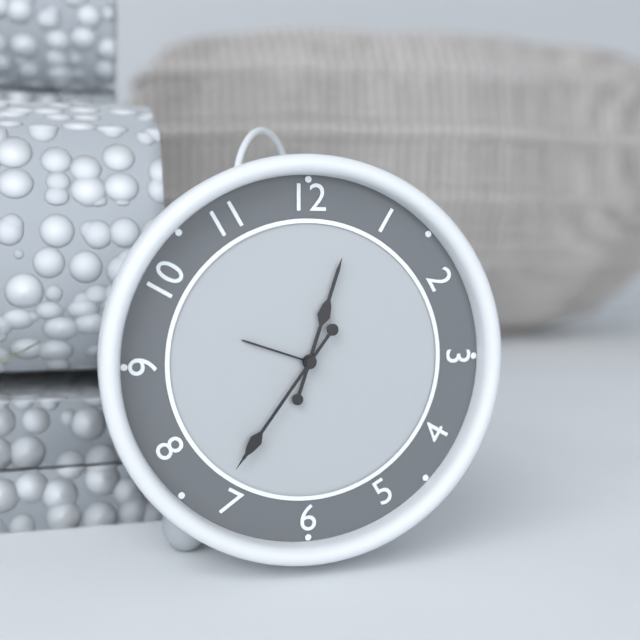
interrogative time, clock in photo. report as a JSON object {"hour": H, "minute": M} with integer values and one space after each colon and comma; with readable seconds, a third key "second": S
{"hour": 12, "minute": 36}
